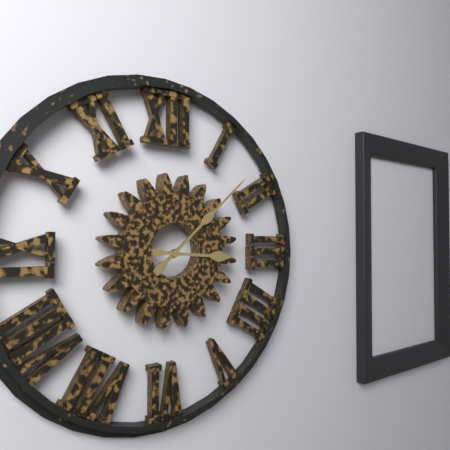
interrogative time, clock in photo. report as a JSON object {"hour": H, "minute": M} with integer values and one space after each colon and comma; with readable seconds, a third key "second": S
{"hour": 3, "minute": 8}
